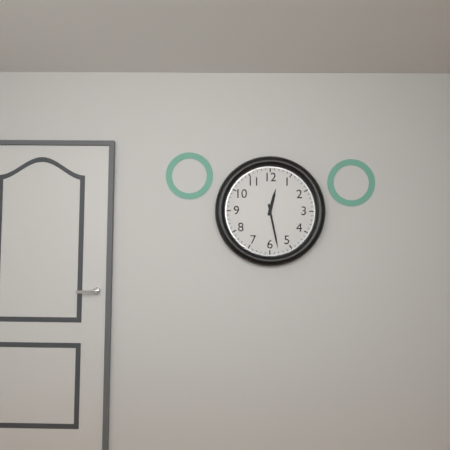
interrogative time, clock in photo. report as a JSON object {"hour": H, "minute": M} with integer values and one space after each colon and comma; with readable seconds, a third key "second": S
{"hour": 12, "minute": 28}
